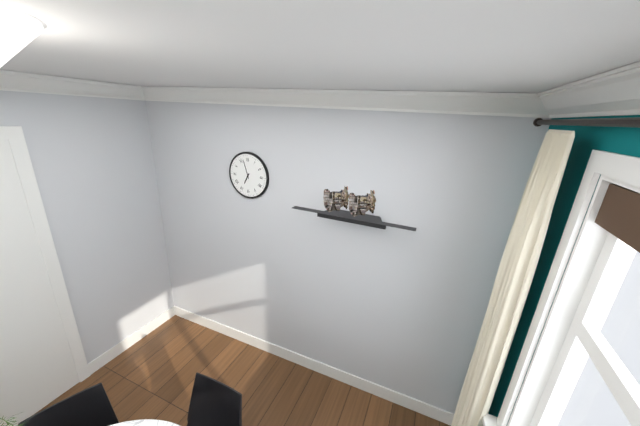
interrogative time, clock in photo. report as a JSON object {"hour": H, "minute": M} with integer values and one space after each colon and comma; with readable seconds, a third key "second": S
{"hour": 6, "minute": 57}
